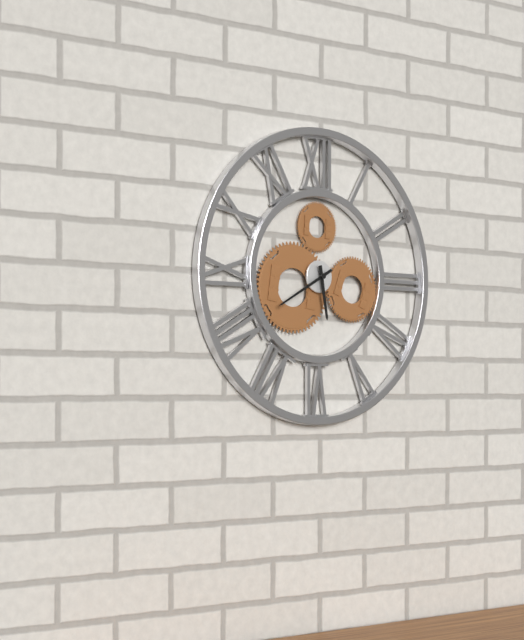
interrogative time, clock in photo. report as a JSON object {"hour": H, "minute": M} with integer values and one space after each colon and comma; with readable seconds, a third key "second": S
{"hour": 5, "minute": 40}
